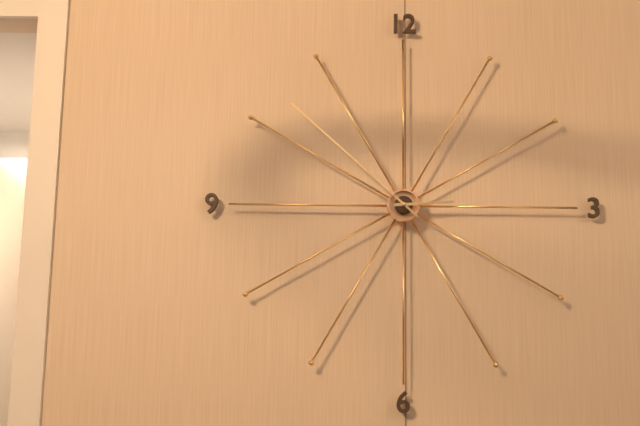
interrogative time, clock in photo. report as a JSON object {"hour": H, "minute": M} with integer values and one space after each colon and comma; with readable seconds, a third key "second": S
{"hour": 2, "minute": 52}
